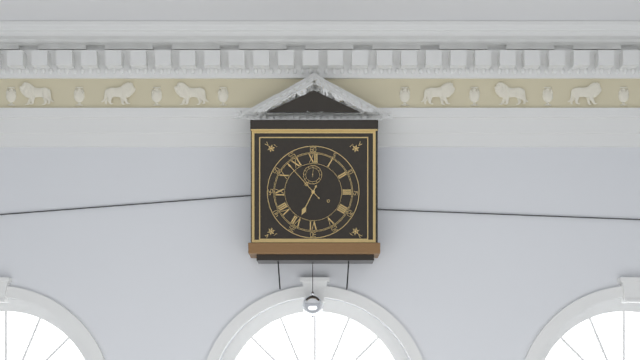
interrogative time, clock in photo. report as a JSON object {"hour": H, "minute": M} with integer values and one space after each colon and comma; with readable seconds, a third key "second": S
{"hour": 6, "minute": 53}
